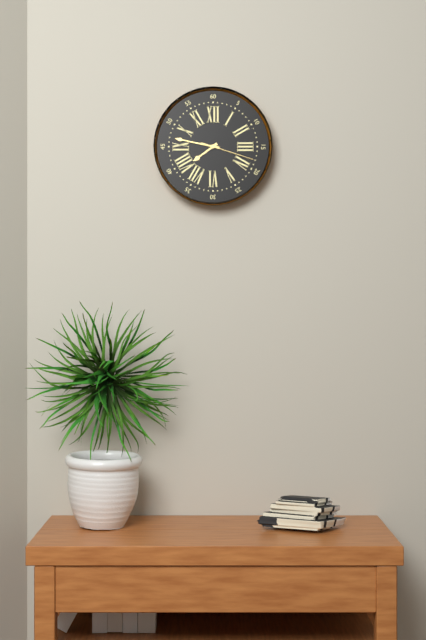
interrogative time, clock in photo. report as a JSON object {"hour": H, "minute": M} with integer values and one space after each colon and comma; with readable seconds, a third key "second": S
{"hour": 7, "minute": 47, "second": 18}
